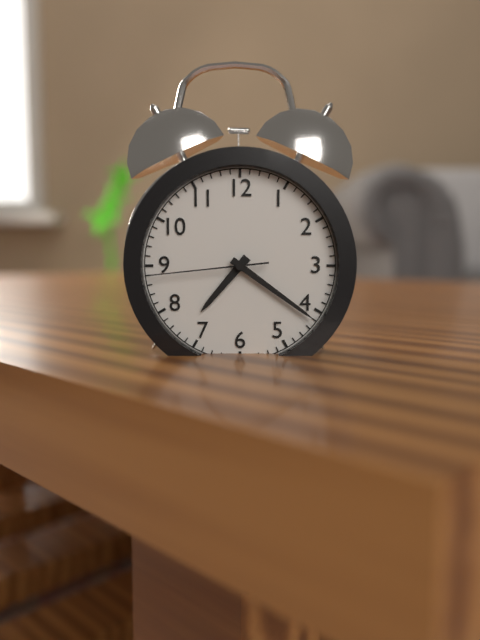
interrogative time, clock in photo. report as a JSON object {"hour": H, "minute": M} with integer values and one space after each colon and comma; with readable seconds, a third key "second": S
{"hour": 7, "minute": 21, "second": 44}
